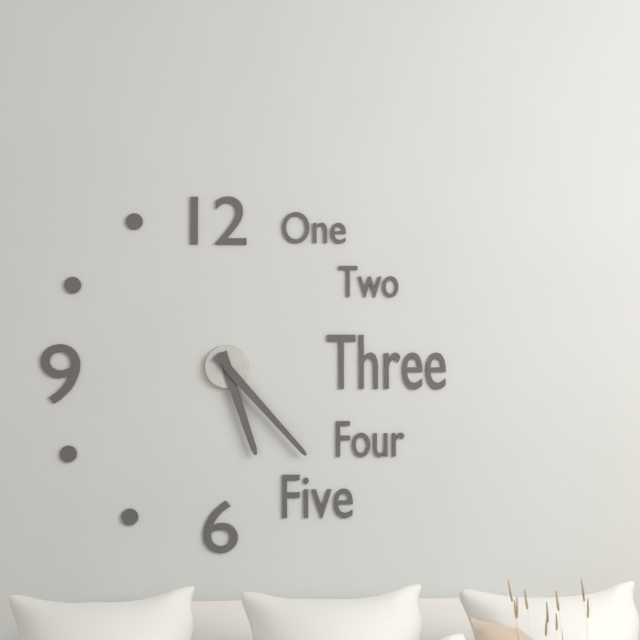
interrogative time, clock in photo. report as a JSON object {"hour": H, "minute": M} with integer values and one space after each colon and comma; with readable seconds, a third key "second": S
{"hour": 5, "minute": 23}
